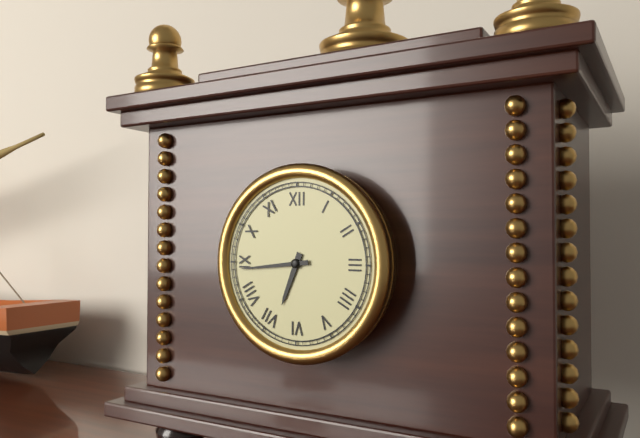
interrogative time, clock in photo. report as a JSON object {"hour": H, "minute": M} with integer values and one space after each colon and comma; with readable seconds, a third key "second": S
{"hour": 6, "minute": 44}
